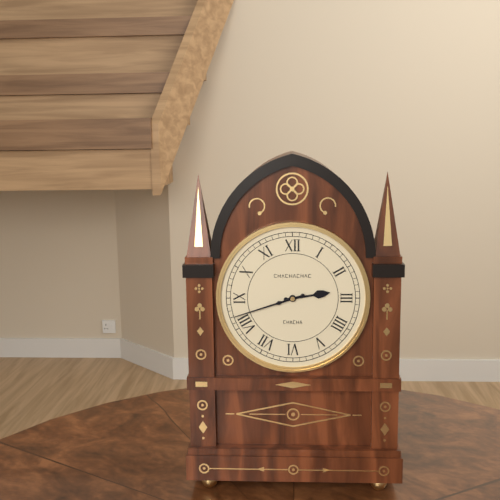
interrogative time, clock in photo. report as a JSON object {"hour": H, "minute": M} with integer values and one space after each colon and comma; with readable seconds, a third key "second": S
{"hour": 2, "minute": 42}
